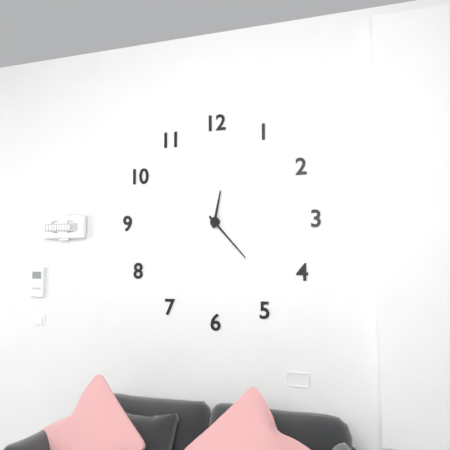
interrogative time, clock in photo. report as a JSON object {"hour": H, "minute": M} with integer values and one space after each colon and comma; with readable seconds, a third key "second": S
{"hour": 12, "minute": 23}
